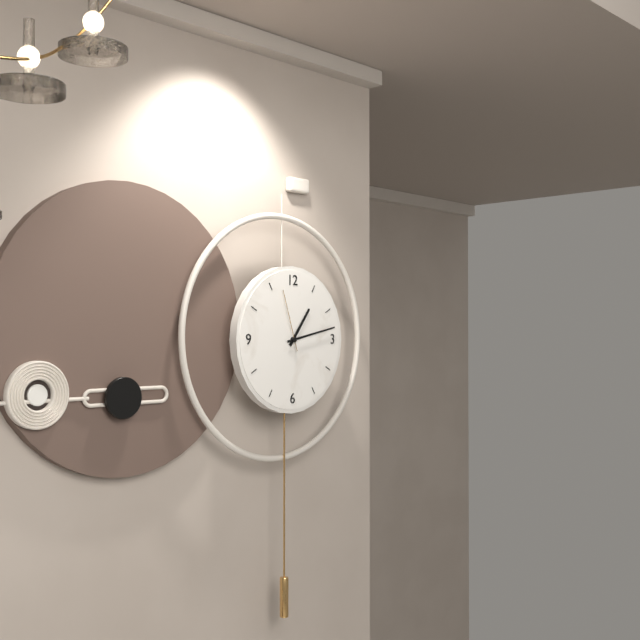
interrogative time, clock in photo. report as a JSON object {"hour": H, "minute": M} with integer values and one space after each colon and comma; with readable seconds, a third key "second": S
{"hour": 1, "minute": 13, "second": 57}
